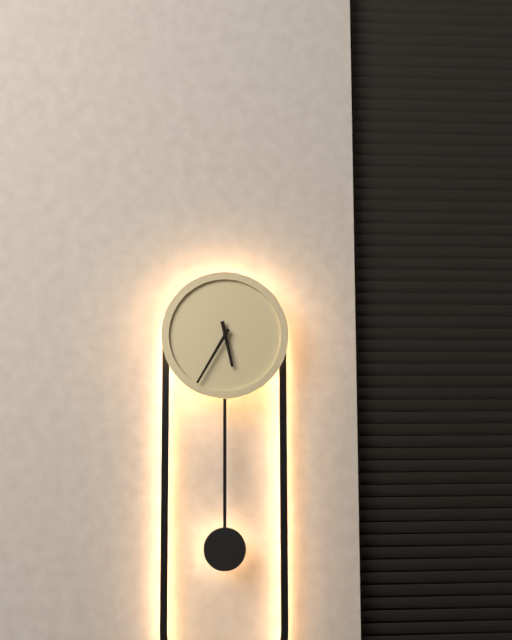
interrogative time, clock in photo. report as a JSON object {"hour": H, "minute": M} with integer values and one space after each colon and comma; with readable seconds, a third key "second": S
{"hour": 5, "minute": 35}
